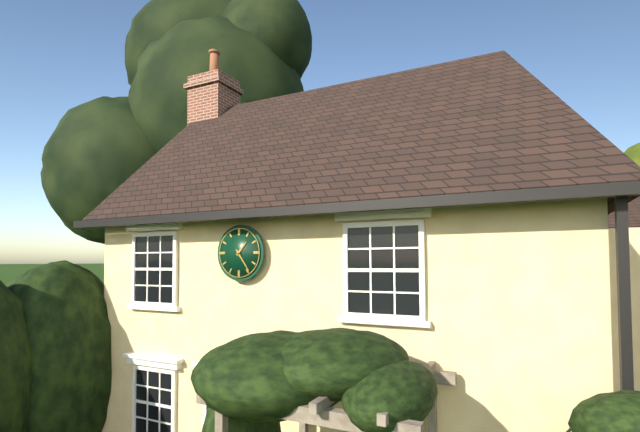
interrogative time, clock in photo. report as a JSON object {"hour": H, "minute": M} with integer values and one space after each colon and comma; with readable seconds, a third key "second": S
{"hour": 1, "minute": 24}
